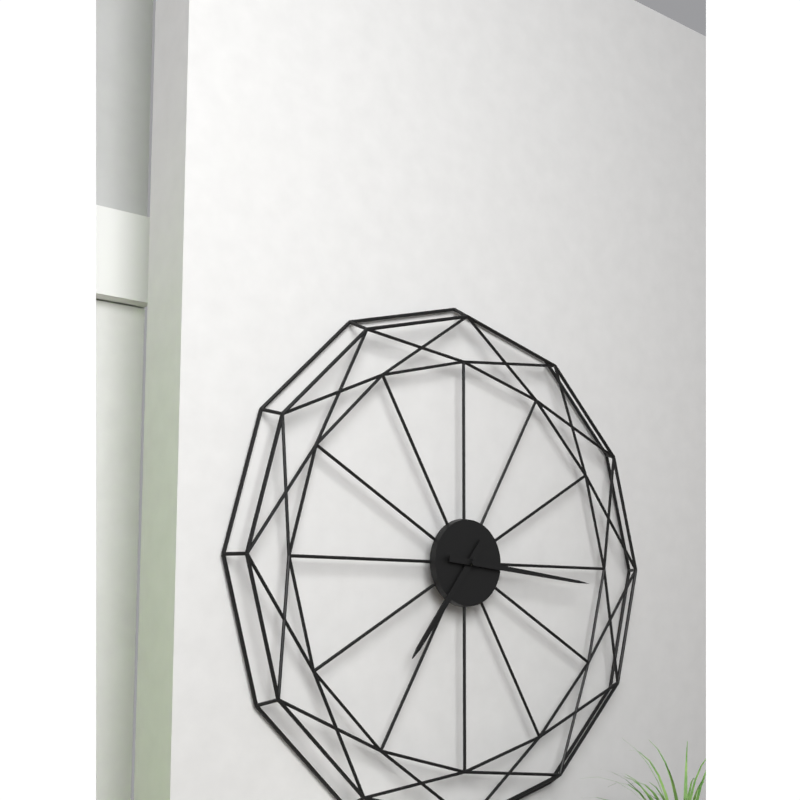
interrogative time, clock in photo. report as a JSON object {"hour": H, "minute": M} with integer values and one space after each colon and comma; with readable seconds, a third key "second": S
{"hour": 7, "minute": 16}
